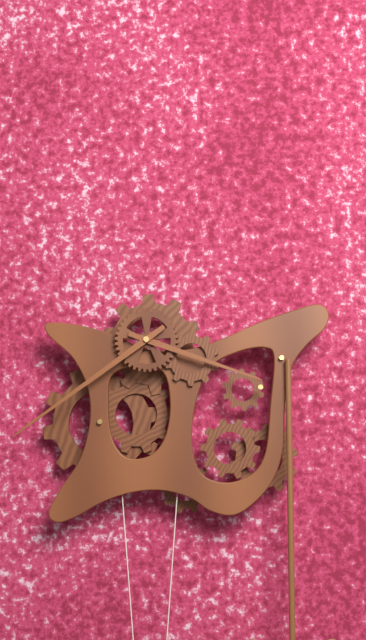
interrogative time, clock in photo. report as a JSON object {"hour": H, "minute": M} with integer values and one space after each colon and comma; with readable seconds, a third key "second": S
{"hour": 3, "minute": 39}
